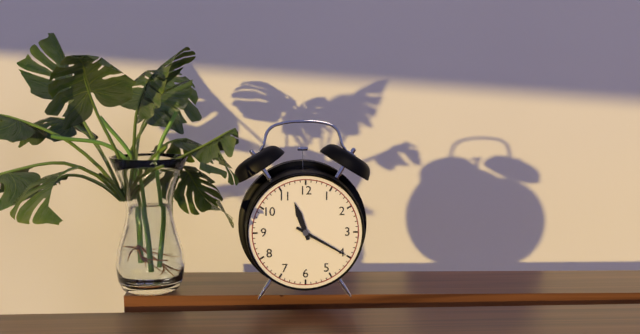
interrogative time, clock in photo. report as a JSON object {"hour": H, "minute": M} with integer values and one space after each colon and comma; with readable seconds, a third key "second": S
{"hour": 11, "minute": 20}
